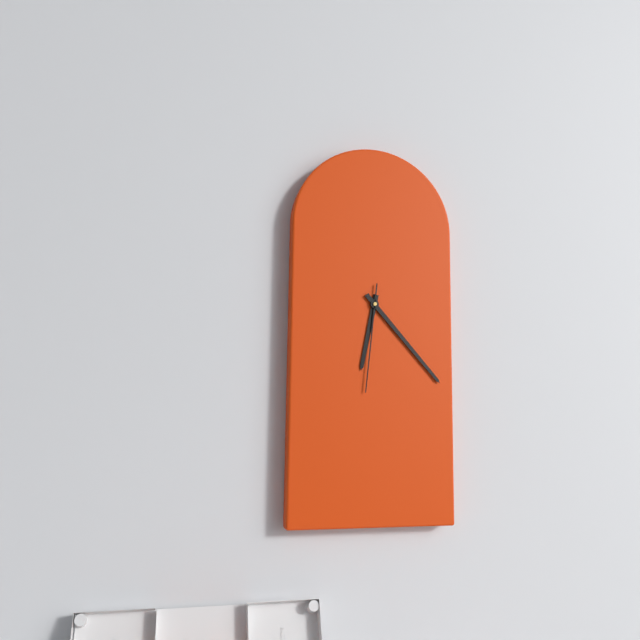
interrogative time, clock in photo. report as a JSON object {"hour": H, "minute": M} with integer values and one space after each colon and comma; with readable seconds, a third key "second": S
{"hour": 6, "minute": 23, "second": 31}
